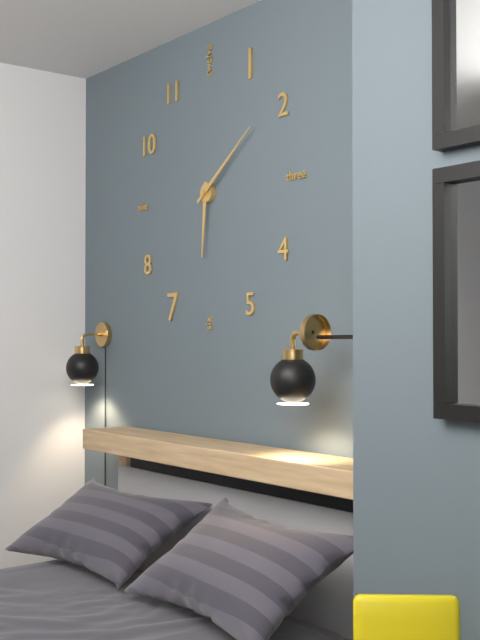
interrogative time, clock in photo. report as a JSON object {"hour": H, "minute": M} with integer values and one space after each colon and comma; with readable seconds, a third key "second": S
{"hour": 6, "minute": 9}
